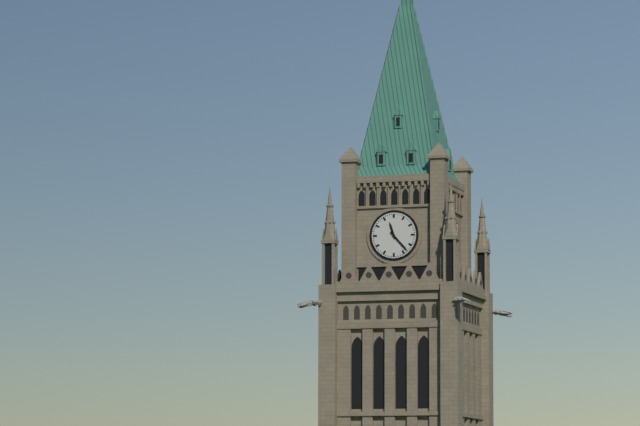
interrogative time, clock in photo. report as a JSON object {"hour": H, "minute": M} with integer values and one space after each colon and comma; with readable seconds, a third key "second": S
{"hour": 11, "minute": 23}
